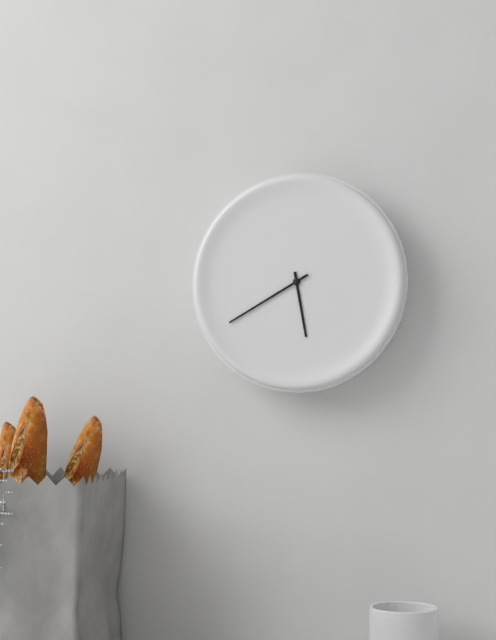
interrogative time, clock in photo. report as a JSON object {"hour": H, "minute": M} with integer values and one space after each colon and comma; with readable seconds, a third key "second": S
{"hour": 5, "minute": 40}
